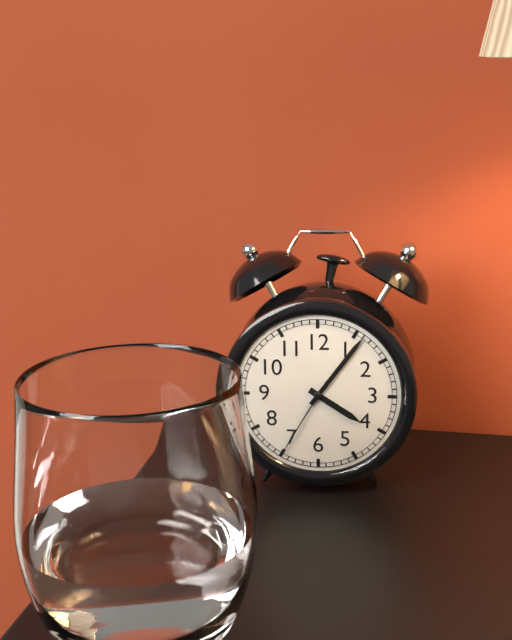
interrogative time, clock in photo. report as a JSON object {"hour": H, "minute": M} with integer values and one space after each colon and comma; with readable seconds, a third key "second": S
{"hour": 4, "minute": 6, "second": 35}
